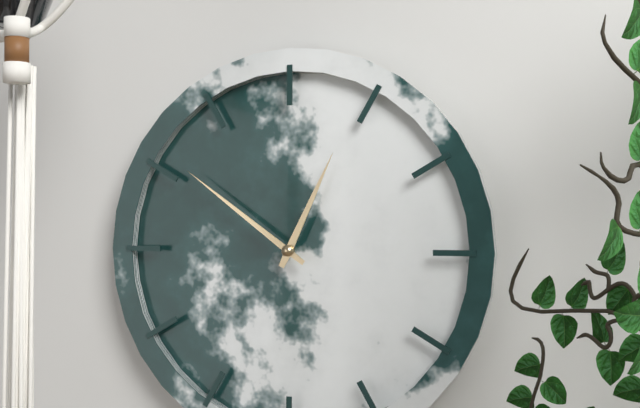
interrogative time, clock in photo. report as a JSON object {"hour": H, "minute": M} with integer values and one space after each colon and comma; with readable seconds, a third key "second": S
{"hour": 12, "minute": 51}
